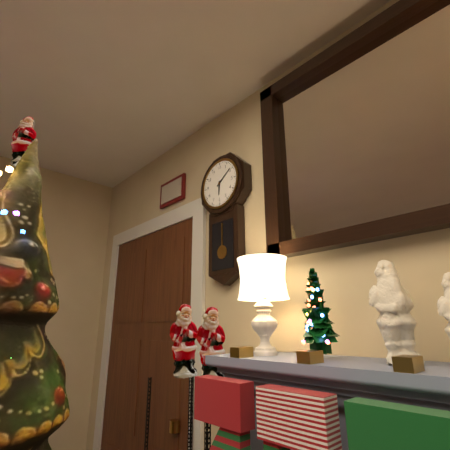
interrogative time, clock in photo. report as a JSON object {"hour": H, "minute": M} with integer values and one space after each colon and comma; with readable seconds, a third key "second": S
{"hour": 6, "minute": 9}
